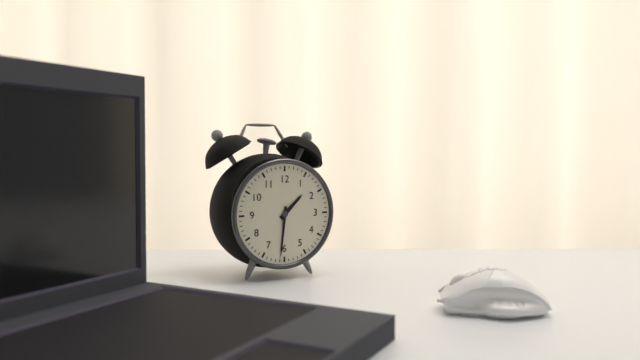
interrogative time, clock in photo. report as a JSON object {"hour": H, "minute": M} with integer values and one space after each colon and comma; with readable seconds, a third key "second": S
{"hour": 1, "minute": 31}
